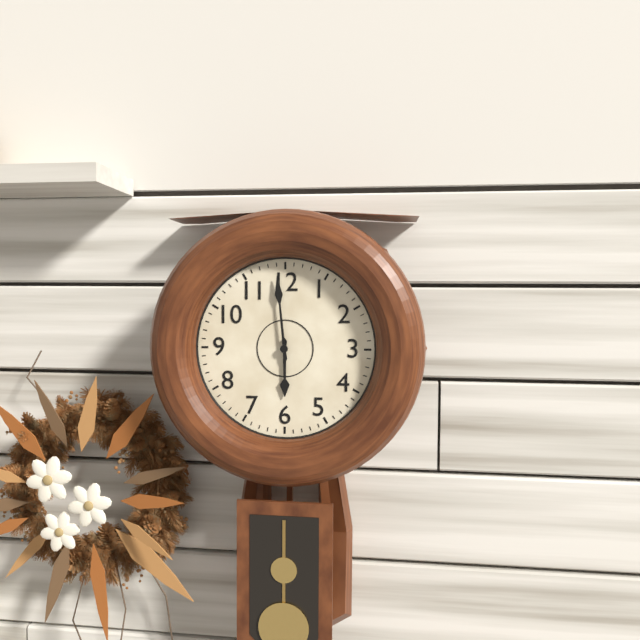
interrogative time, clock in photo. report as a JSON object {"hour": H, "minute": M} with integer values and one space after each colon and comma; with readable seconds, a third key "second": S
{"hour": 5, "minute": 59}
